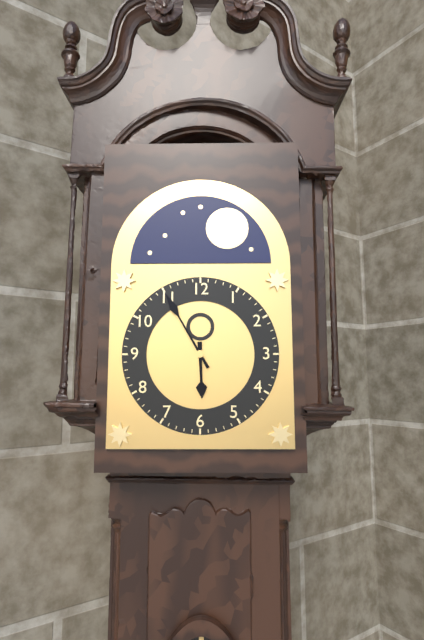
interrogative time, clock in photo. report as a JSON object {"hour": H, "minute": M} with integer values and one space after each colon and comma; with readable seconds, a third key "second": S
{"hour": 5, "minute": 55}
